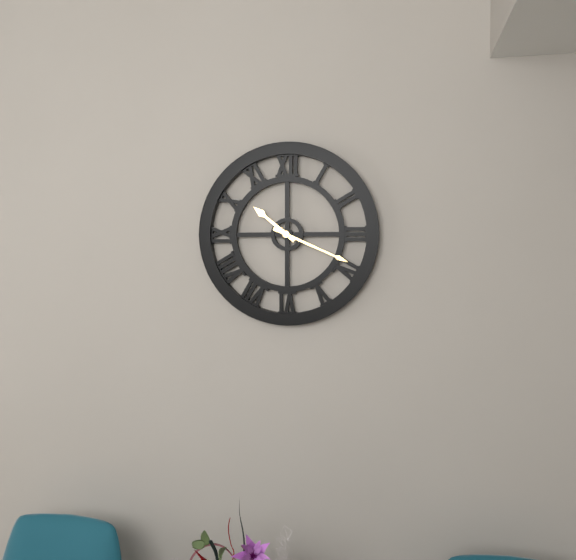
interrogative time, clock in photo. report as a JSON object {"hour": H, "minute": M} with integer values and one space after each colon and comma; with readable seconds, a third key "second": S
{"hour": 10, "minute": 19}
